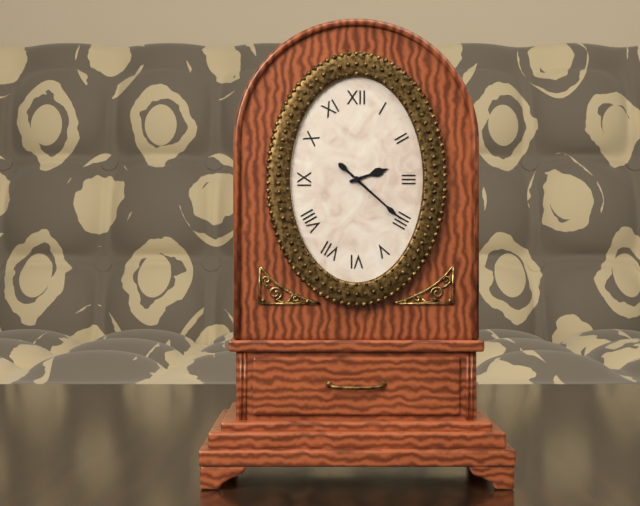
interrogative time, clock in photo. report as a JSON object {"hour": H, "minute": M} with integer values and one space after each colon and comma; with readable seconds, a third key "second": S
{"hour": 2, "minute": 22}
